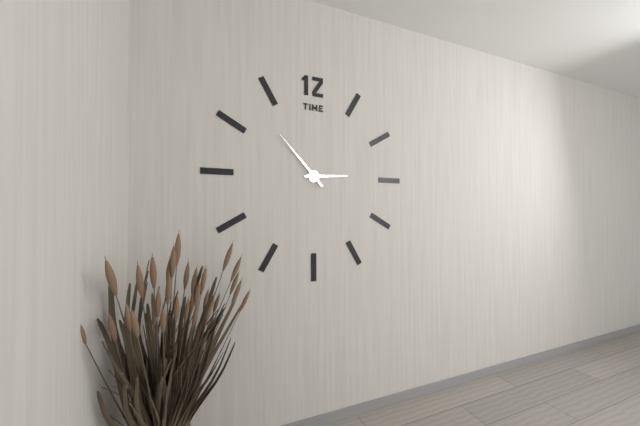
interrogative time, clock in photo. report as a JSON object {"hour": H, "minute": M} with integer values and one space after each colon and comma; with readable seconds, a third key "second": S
{"hour": 2, "minute": 53}
